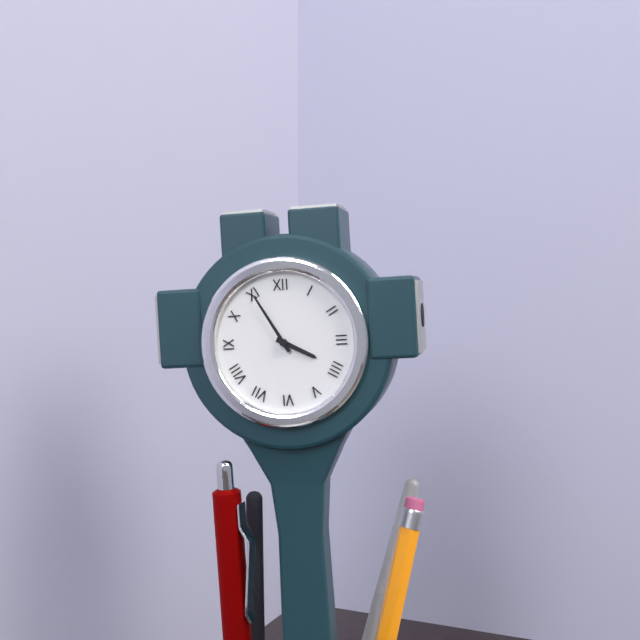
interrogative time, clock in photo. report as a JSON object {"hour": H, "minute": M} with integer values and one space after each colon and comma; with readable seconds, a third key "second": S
{"hour": 3, "minute": 55}
